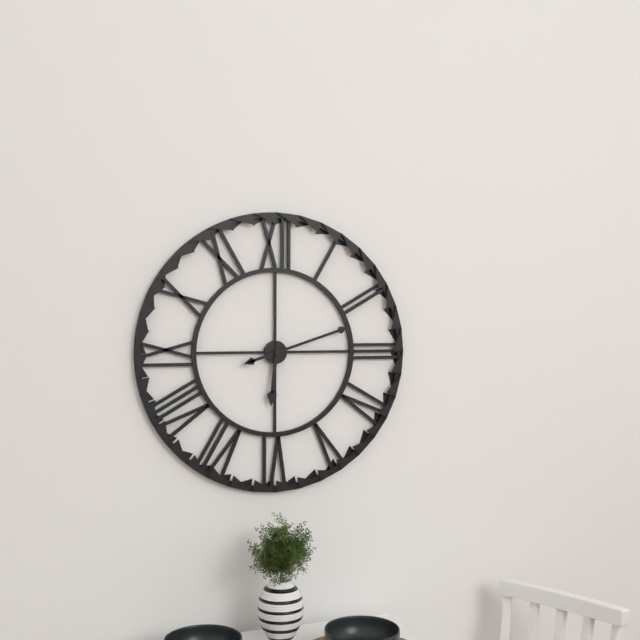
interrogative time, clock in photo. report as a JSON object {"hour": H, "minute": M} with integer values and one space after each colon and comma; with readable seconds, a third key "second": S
{"hour": 6, "minute": 12}
